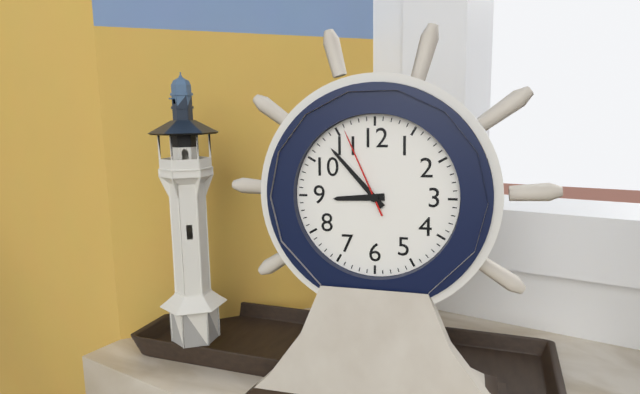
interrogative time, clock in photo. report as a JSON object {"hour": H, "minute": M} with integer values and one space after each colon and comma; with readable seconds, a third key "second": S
{"hour": 8, "minute": 53, "second": 56}
